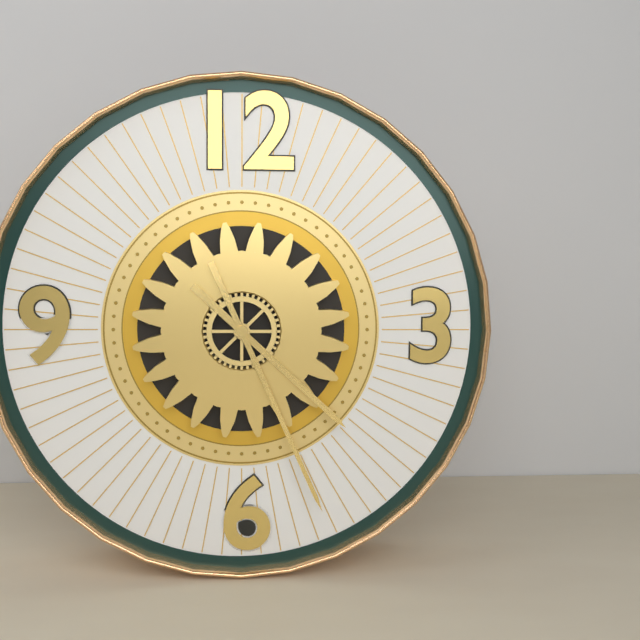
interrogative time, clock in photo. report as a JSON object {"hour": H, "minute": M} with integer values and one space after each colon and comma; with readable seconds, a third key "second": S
{"hour": 4, "minute": 26}
